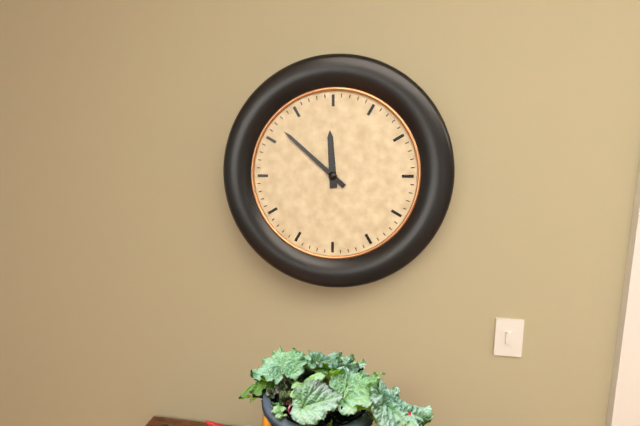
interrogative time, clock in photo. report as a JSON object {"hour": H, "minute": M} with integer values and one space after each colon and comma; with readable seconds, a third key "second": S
{"hour": 11, "minute": 52}
